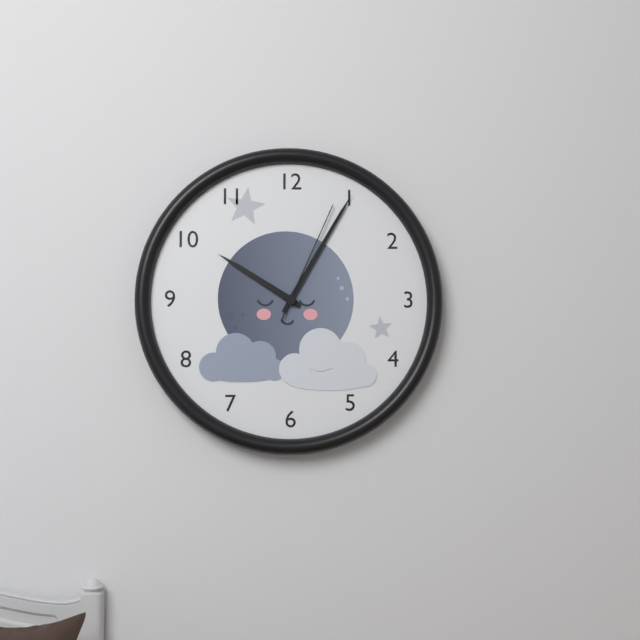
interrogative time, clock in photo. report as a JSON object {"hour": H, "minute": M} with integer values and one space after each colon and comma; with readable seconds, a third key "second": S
{"hour": 10, "minute": 5, "second": 4}
